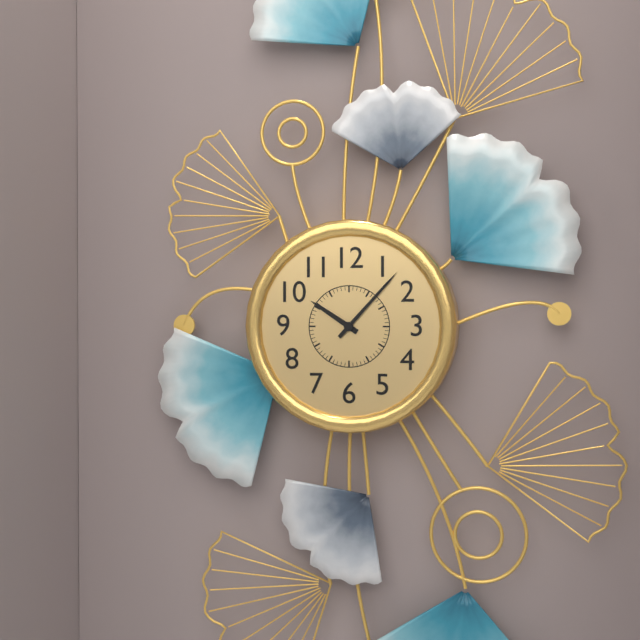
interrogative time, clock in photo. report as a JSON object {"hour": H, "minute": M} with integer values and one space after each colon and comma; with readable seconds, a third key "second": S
{"hour": 10, "minute": 7}
